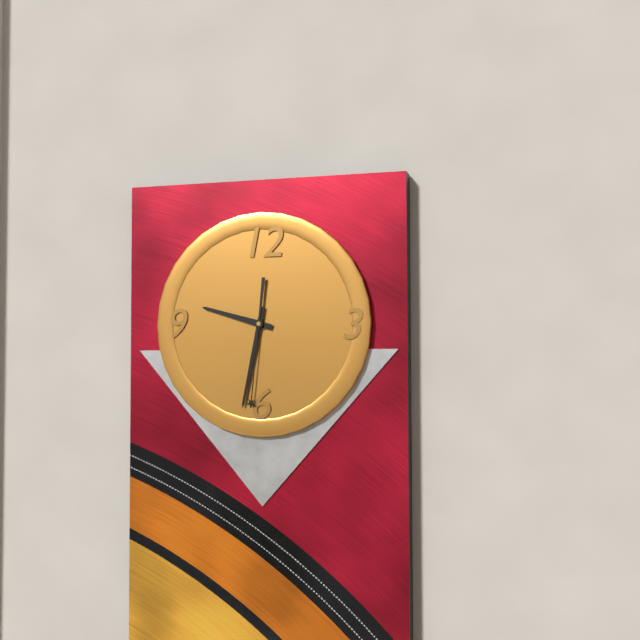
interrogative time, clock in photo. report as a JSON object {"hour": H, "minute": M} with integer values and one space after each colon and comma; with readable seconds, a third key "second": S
{"hour": 9, "minute": 32, "second": 31}
